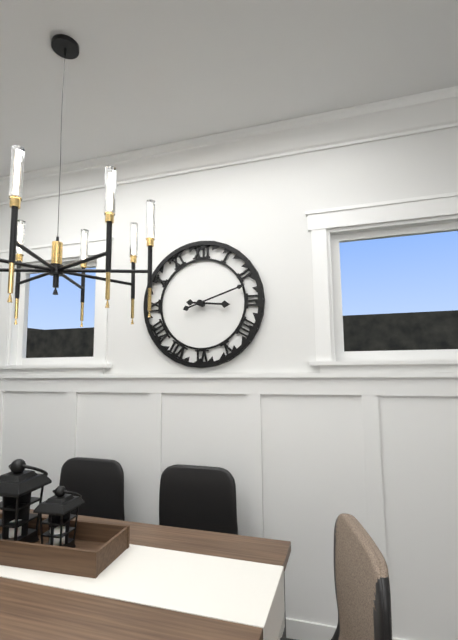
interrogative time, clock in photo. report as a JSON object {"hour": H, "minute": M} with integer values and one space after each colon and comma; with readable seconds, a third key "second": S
{"hour": 3, "minute": 12}
